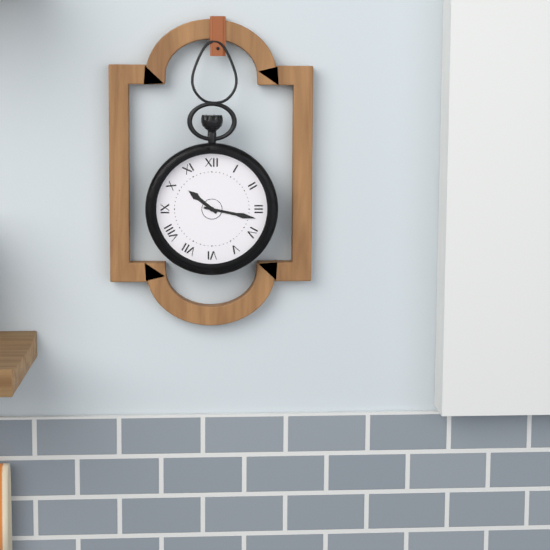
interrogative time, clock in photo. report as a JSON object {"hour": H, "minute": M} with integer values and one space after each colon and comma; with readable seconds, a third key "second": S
{"hour": 10, "minute": 17}
